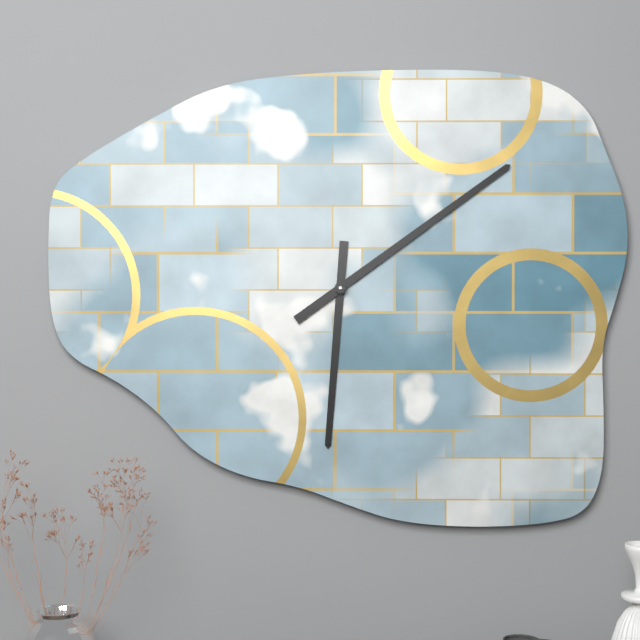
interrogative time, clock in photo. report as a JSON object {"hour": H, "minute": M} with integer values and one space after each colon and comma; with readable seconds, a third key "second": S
{"hour": 6, "minute": 9}
